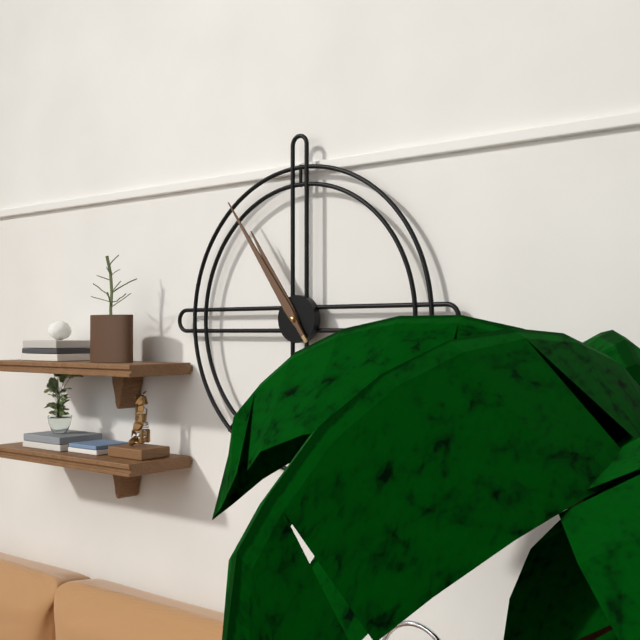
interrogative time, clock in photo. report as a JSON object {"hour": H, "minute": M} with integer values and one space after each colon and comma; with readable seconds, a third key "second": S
{"hour": 10, "minute": 54}
